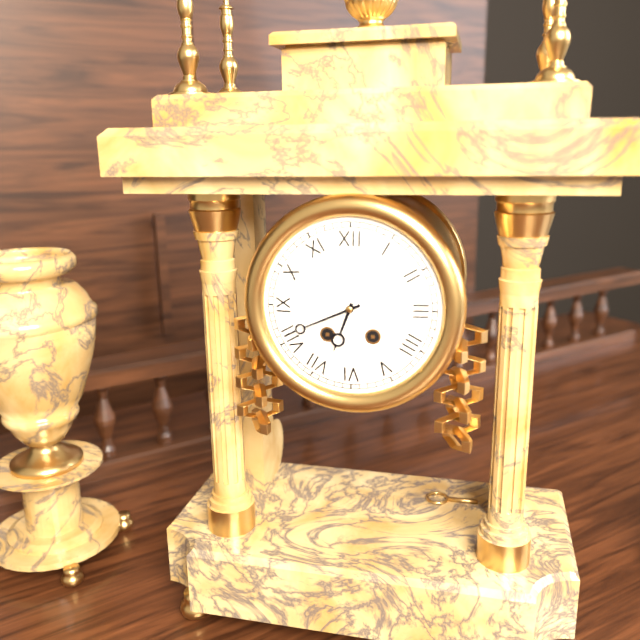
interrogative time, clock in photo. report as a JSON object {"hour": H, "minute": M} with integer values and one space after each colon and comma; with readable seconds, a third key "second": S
{"hour": 6, "minute": 41}
